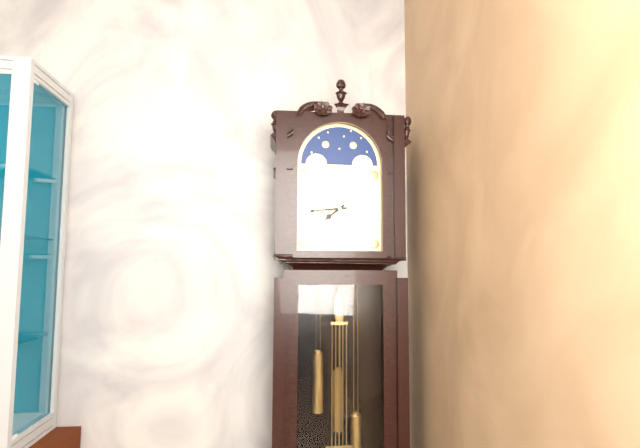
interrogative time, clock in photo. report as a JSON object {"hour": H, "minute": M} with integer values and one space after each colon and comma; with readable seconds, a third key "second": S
{"hour": 7, "minute": 44}
